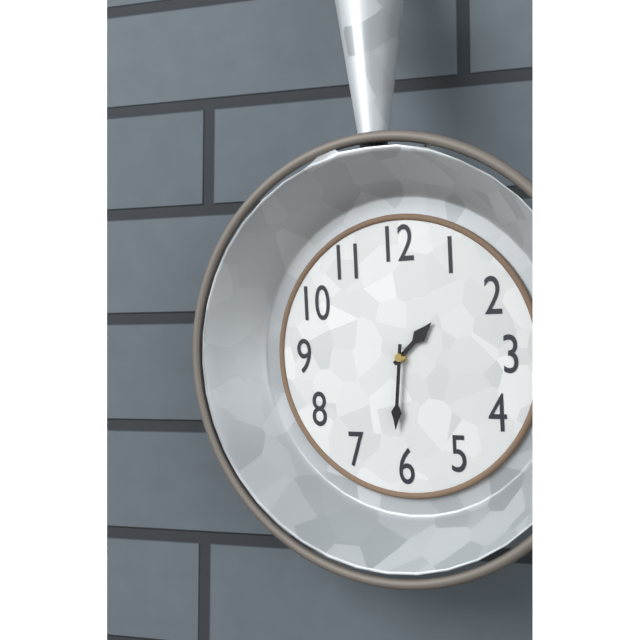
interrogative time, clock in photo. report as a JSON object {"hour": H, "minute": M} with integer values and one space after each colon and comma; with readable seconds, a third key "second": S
{"hour": 1, "minute": 31}
